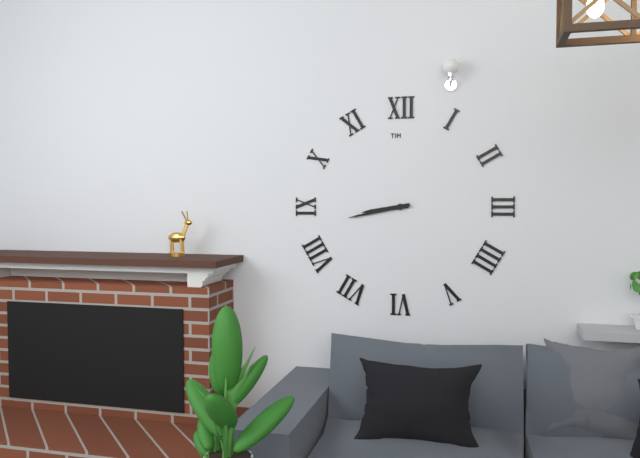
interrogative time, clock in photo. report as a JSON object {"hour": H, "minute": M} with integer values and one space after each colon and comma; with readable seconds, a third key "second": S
{"hour": 8, "minute": 43}
